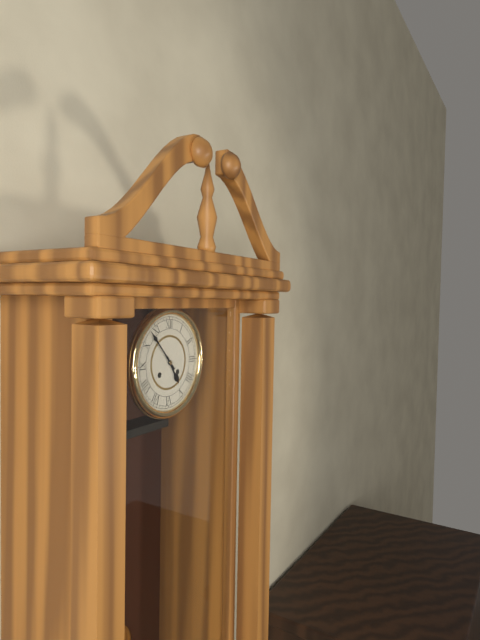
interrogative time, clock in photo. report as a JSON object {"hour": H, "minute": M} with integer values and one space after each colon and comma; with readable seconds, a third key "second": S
{"hour": 4, "minute": 53}
